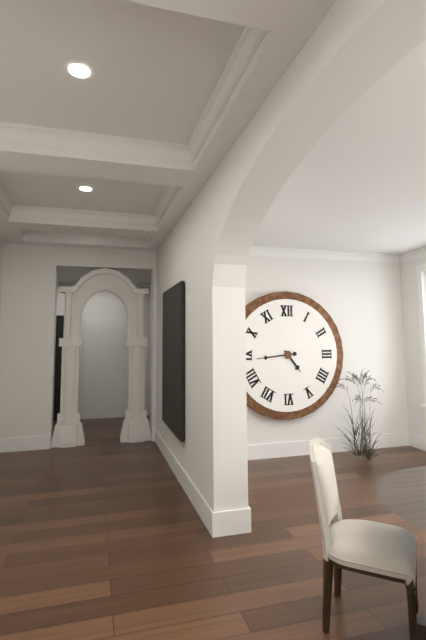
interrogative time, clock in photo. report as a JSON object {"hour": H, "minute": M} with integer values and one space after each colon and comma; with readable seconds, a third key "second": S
{"hour": 4, "minute": 44}
